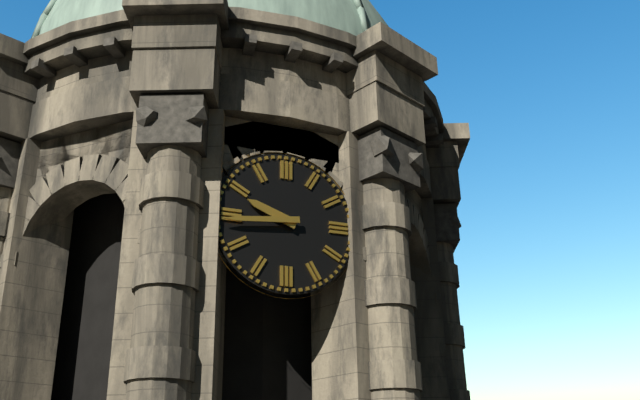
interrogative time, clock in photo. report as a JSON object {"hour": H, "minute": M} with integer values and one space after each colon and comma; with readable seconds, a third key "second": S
{"hour": 9, "minute": 44}
